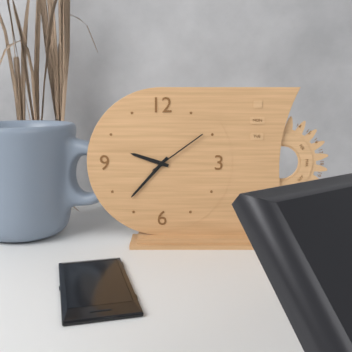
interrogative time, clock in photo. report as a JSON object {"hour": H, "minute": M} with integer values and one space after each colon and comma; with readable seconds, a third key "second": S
{"hour": 9, "minute": 37, "second": 9}
